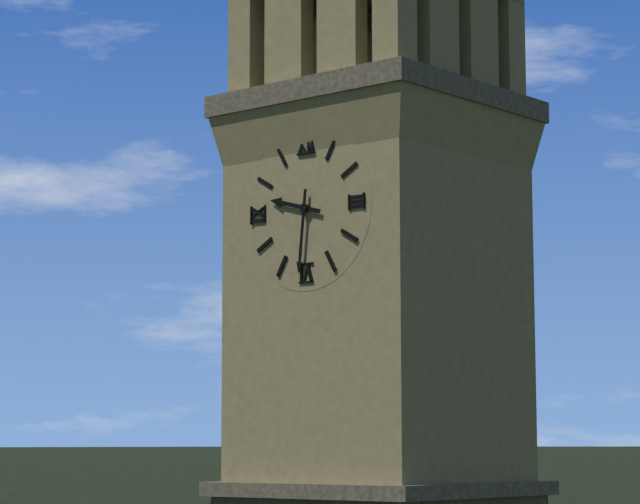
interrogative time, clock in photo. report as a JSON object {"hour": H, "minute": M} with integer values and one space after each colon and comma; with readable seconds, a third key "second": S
{"hour": 9, "minute": 31}
